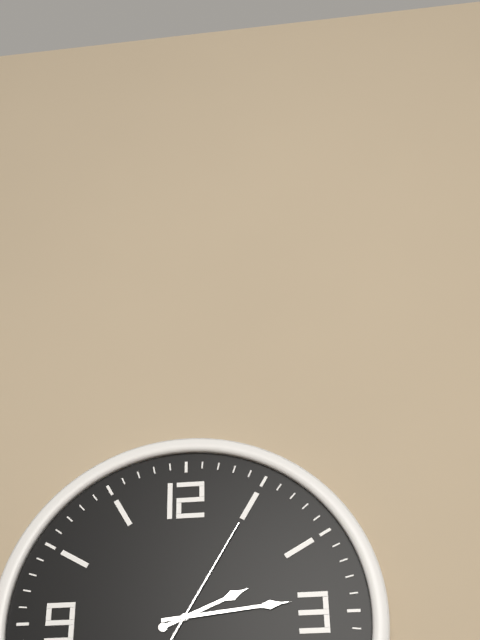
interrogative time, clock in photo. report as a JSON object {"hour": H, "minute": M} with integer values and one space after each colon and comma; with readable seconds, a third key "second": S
{"hour": 2, "minute": 14, "second": 5}
